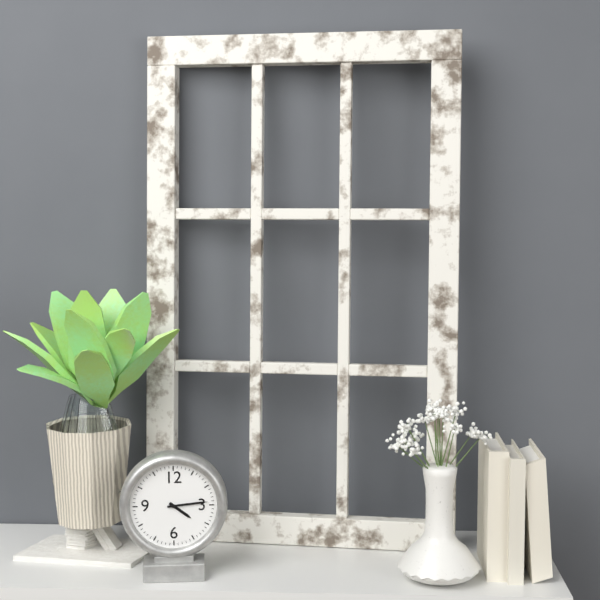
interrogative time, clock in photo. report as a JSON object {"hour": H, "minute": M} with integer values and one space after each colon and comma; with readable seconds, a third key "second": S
{"hour": 4, "minute": 14}
